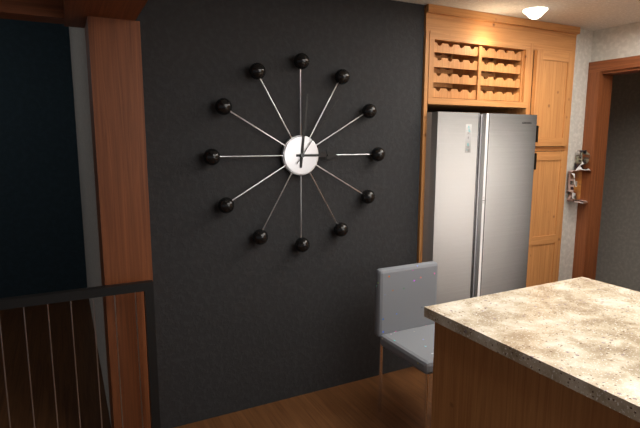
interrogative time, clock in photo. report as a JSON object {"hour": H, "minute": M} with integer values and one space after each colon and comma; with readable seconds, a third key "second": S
{"hour": 3, "minute": 1, "second": 6}
